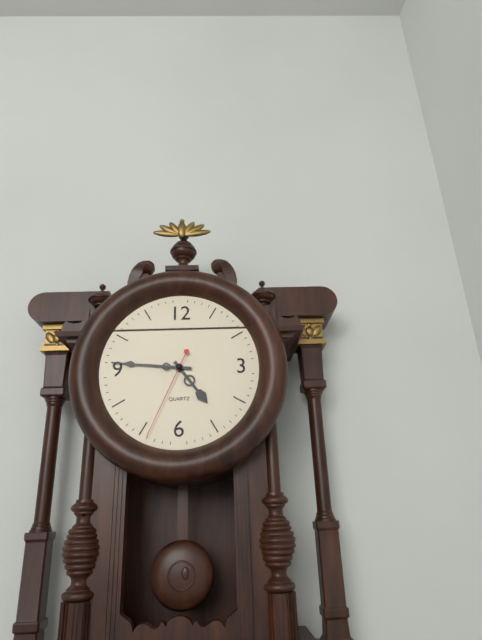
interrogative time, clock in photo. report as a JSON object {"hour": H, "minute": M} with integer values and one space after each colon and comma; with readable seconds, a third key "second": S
{"hour": 4, "minute": 46, "second": 34}
